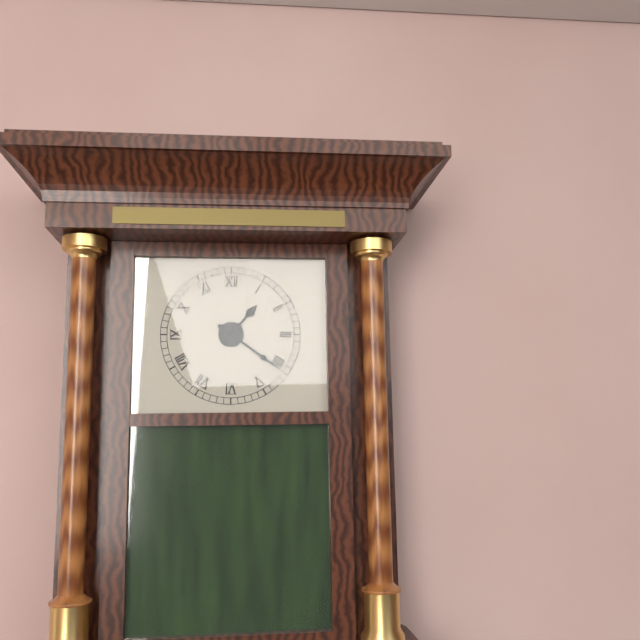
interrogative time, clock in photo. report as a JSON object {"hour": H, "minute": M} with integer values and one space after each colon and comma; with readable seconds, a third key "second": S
{"hour": 1, "minute": 21}
